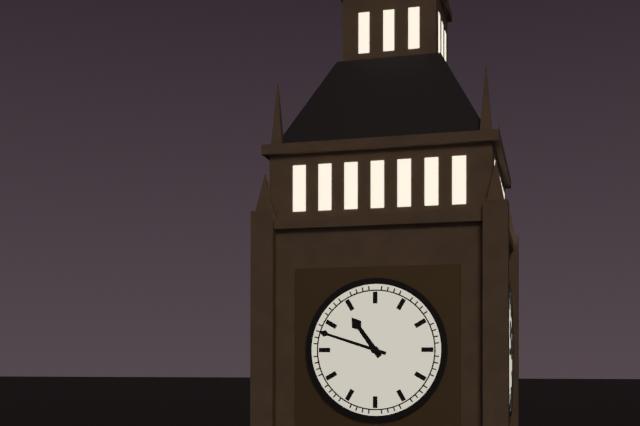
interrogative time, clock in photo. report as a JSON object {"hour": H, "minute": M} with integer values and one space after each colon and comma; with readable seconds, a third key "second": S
{"hour": 10, "minute": 48}
